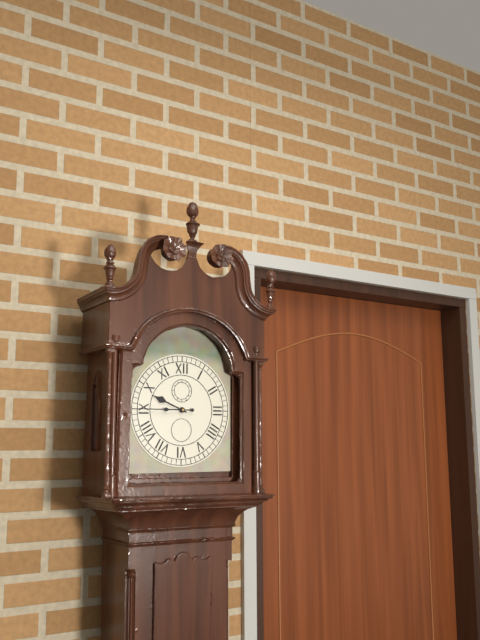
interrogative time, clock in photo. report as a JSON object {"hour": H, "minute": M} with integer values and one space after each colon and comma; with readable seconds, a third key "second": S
{"hour": 9, "minute": 45}
